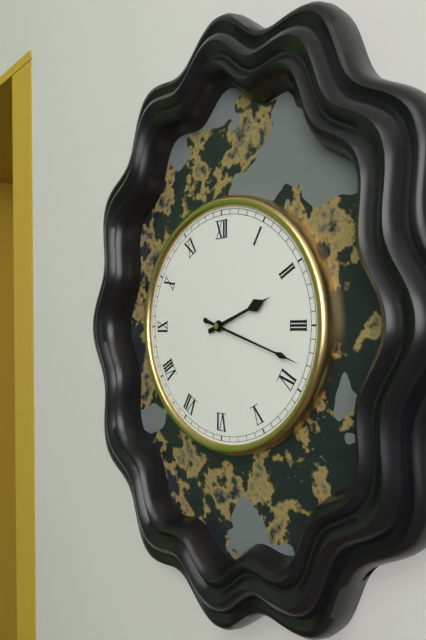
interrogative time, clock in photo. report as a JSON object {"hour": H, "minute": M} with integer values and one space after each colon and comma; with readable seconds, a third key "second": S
{"hour": 2, "minute": 18}
